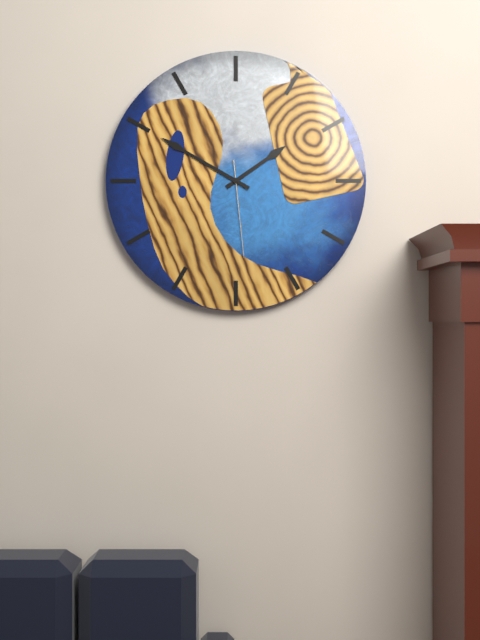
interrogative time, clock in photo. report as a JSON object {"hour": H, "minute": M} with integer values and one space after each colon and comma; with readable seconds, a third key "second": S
{"hour": 1, "minute": 50, "second": 29}
